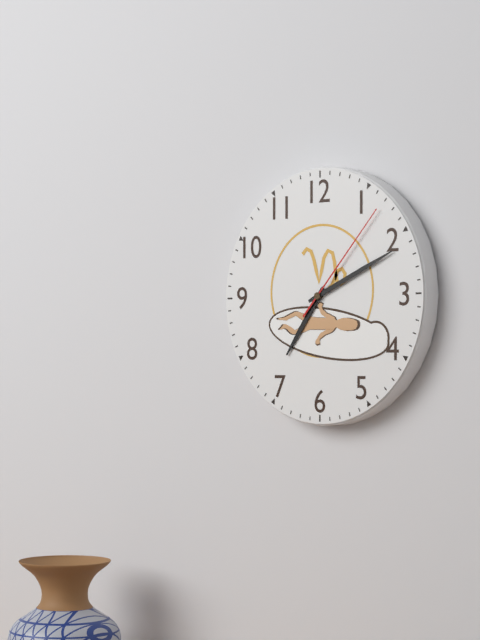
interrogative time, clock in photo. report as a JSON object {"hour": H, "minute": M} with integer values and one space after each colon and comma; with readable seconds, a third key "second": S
{"hour": 7, "minute": 11, "second": 7}
